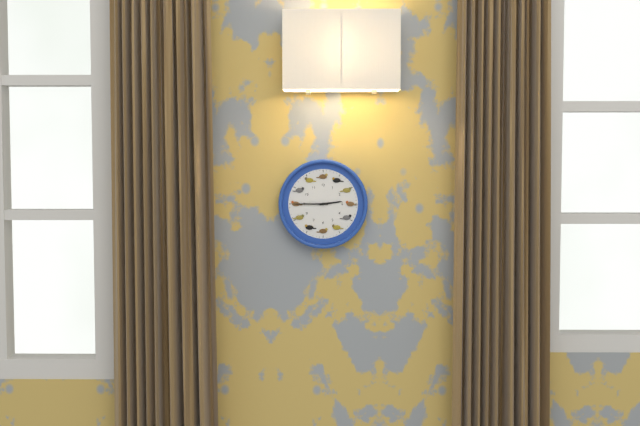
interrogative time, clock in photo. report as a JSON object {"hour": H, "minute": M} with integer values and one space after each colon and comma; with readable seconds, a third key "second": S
{"hour": 2, "minute": 45}
